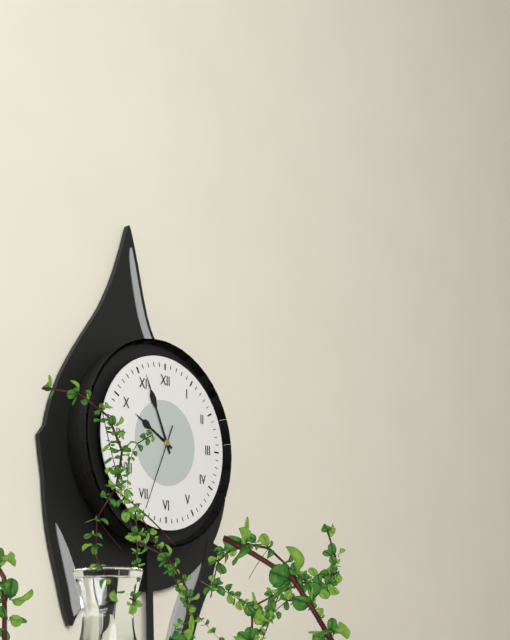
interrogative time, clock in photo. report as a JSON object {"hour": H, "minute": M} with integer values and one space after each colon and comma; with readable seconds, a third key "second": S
{"hour": 9, "minute": 56, "second": 34}
